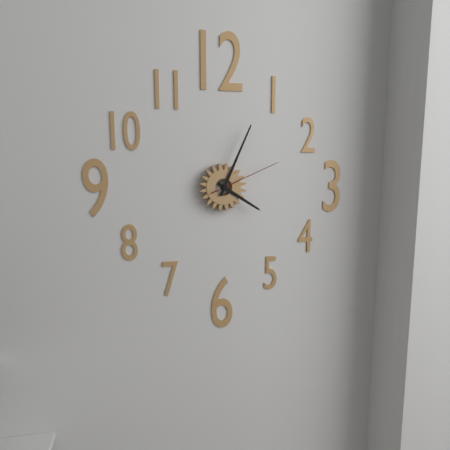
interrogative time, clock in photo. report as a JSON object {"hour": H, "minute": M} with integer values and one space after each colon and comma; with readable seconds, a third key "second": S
{"hour": 4, "minute": 4, "second": 11}
